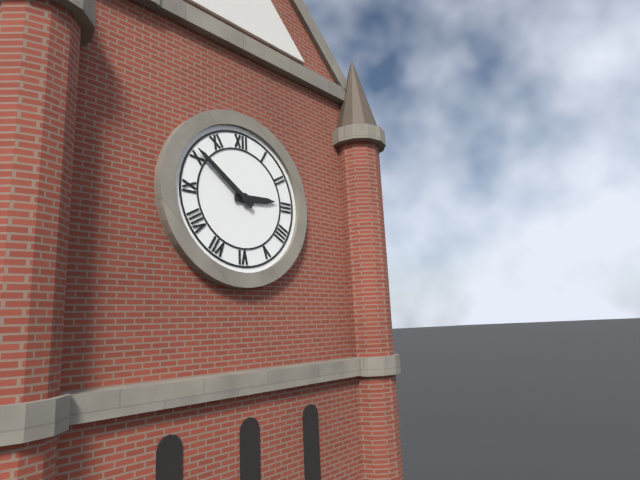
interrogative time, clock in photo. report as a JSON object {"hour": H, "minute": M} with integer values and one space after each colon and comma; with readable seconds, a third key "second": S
{"hour": 2, "minute": 51}
